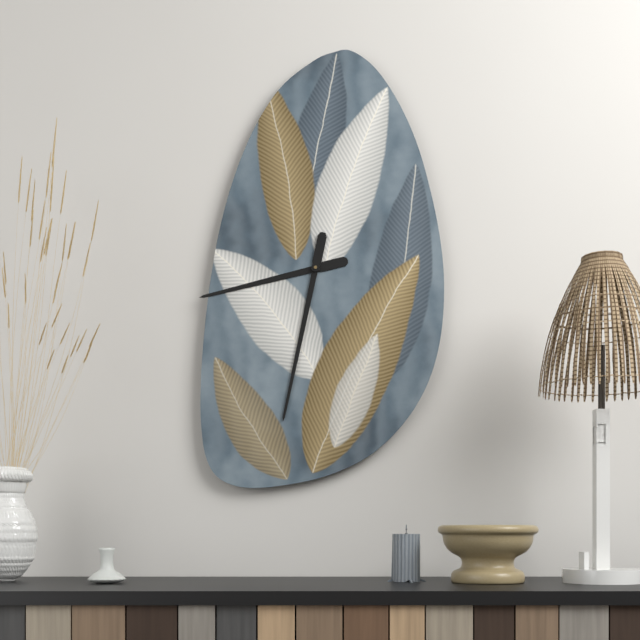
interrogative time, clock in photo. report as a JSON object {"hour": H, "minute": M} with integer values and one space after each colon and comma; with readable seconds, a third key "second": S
{"hour": 8, "minute": 32}
